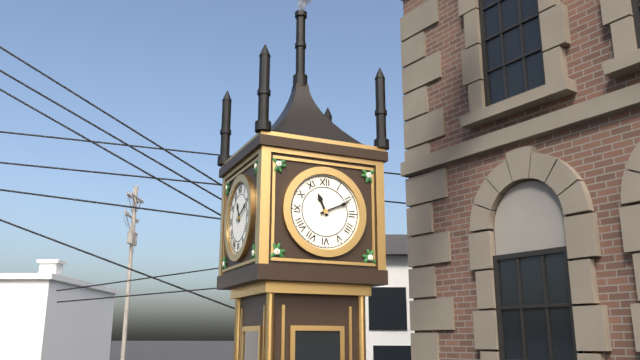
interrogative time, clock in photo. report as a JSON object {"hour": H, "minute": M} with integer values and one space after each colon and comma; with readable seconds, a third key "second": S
{"hour": 11, "minute": 11}
